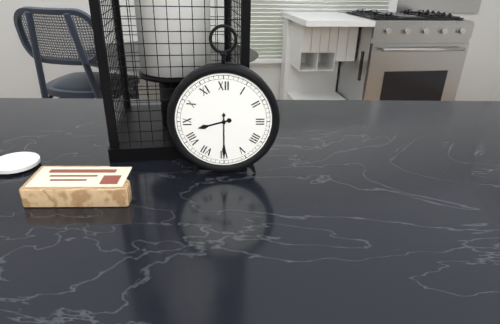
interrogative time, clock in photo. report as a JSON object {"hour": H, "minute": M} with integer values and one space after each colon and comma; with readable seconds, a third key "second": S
{"hour": 8, "minute": 30}
